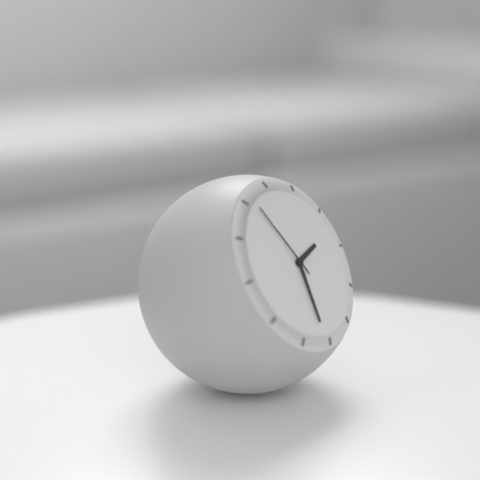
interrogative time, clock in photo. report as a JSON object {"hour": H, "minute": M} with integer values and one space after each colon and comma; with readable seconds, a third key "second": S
{"hour": 2, "minute": 31, "second": 56}
